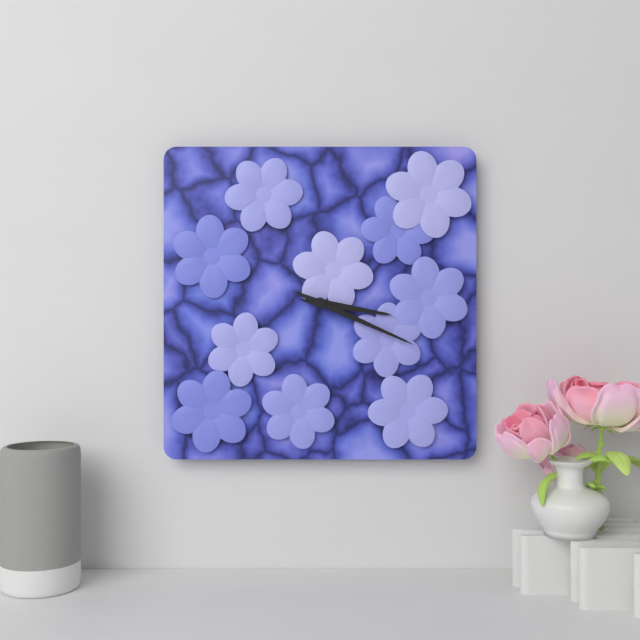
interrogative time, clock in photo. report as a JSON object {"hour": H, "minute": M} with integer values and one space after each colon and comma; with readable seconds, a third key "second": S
{"hour": 3, "minute": 19}
